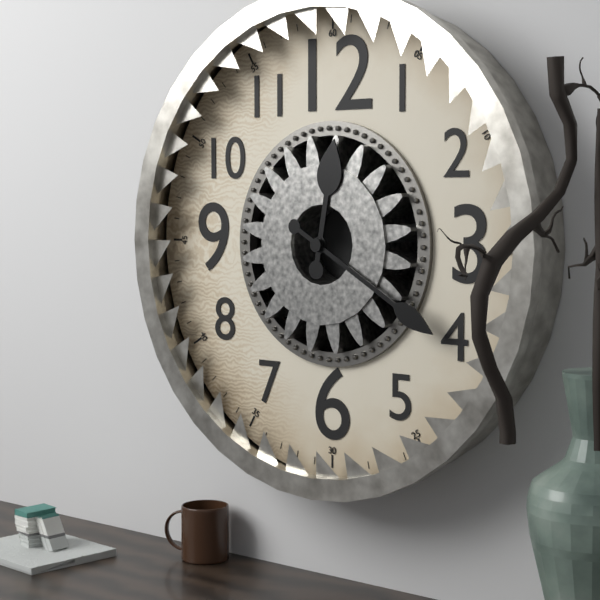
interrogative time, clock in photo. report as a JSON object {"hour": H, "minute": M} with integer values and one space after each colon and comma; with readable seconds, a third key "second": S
{"hour": 12, "minute": 20}
